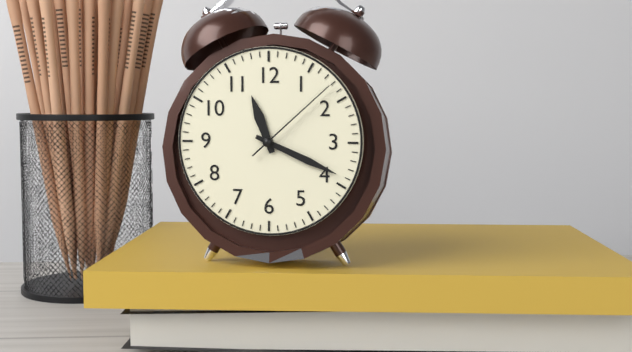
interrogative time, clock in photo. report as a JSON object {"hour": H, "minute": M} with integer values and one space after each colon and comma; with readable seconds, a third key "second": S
{"hour": 11, "minute": 19, "second": 8}
